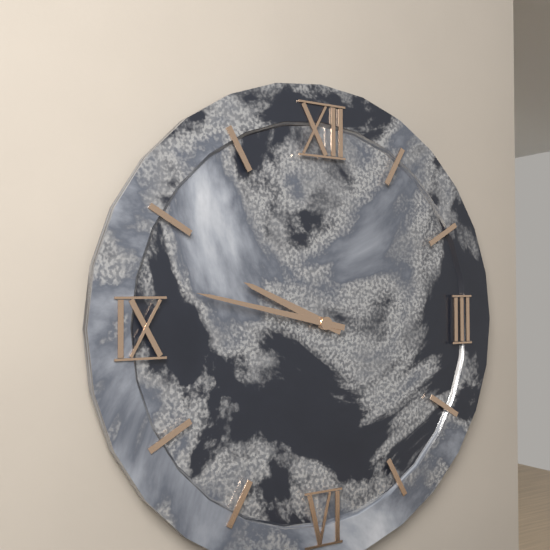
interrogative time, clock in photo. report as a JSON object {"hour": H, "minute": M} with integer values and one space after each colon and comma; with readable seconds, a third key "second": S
{"hour": 9, "minute": 47}
